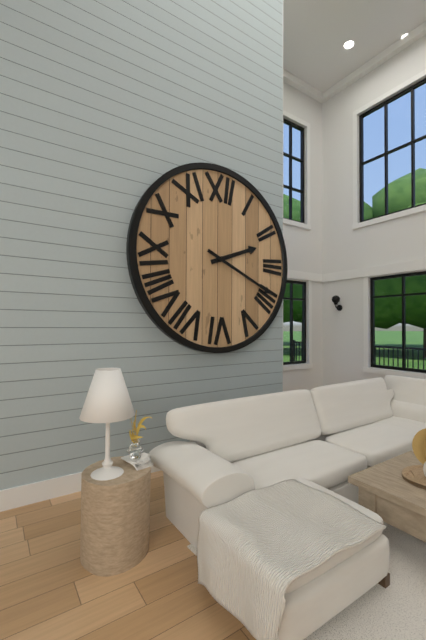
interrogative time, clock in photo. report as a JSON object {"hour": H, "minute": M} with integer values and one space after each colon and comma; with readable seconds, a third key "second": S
{"hour": 2, "minute": 19}
